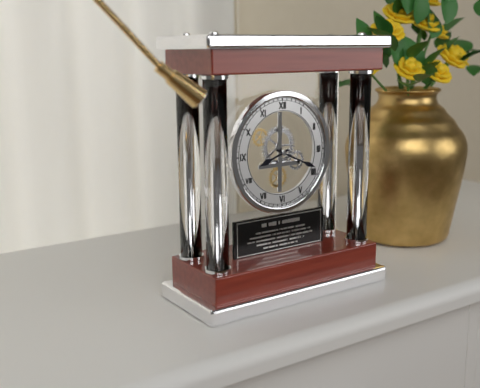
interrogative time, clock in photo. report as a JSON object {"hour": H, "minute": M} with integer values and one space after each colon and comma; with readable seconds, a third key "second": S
{"hour": 8, "minute": 19}
